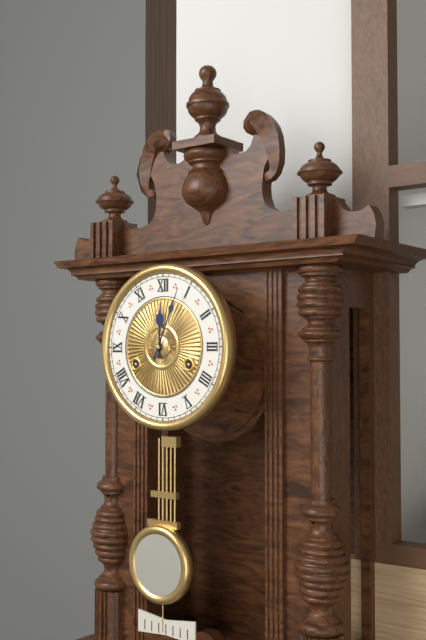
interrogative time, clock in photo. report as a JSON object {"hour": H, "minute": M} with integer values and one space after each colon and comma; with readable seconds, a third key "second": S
{"hour": 12, "minute": 4}
